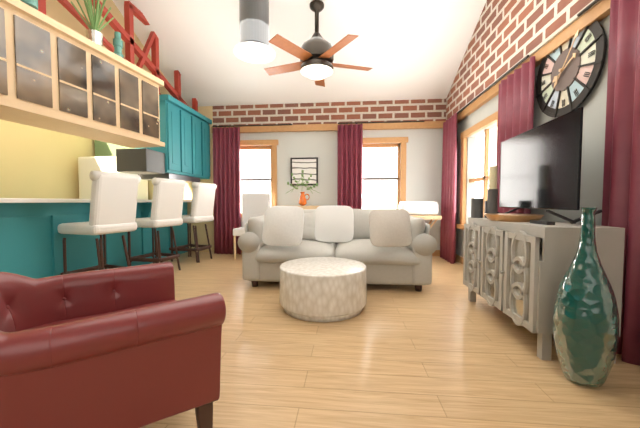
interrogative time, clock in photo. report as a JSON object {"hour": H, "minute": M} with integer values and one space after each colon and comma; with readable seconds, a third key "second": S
{"hour": 2, "minute": 6}
